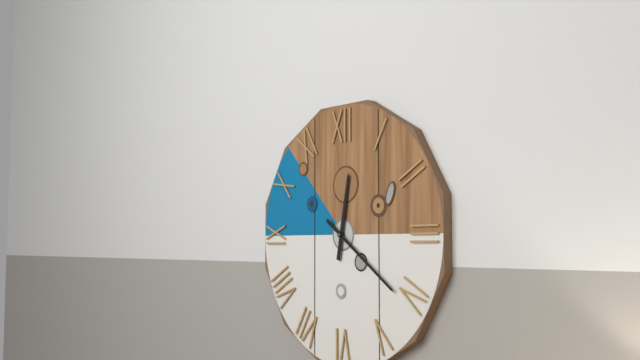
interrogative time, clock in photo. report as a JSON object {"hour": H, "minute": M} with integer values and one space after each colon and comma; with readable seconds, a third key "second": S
{"hour": 12, "minute": 21}
